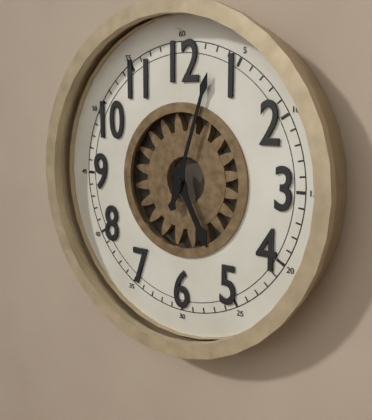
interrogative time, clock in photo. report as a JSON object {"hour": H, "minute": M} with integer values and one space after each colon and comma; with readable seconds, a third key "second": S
{"hour": 5, "minute": 3}
